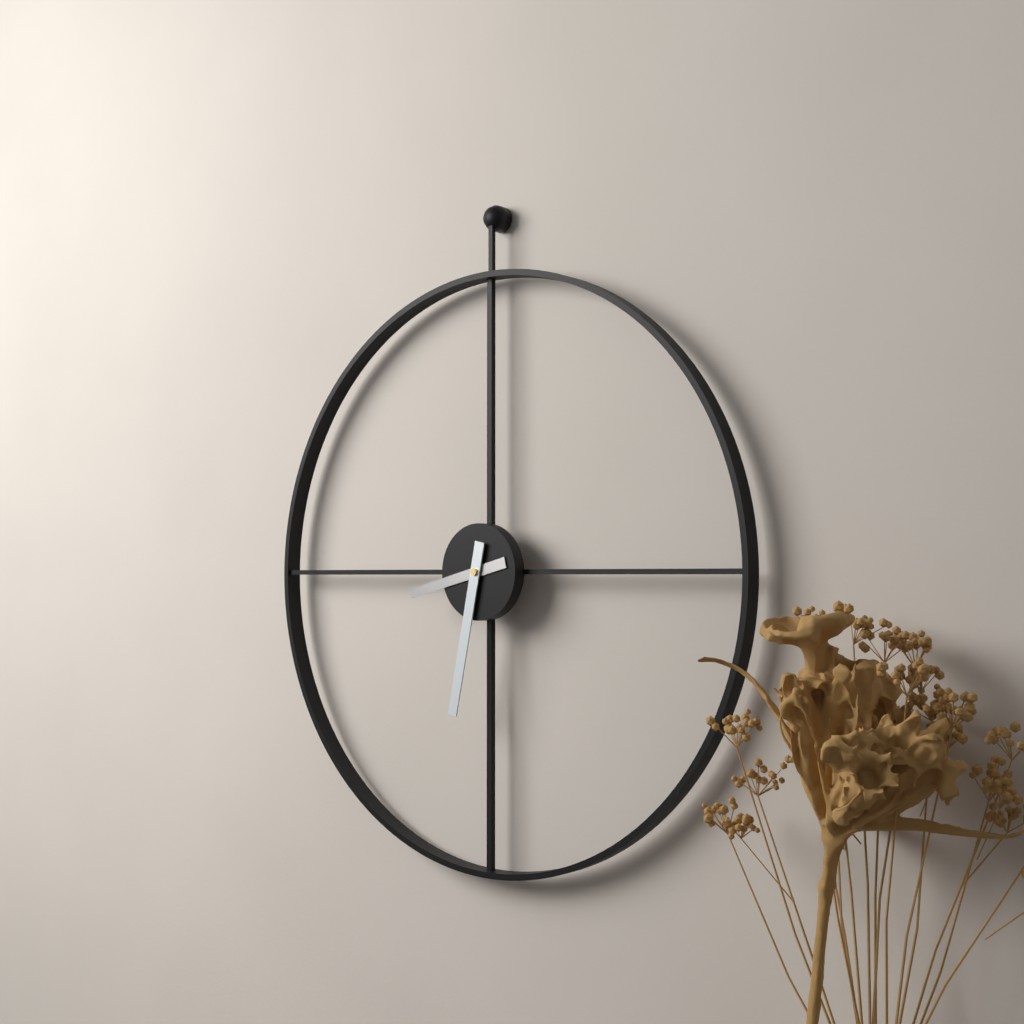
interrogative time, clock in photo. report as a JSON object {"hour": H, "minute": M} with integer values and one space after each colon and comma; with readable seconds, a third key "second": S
{"hour": 8, "minute": 32}
